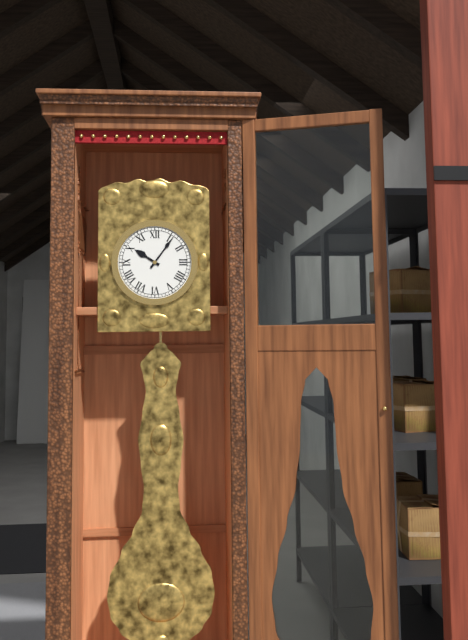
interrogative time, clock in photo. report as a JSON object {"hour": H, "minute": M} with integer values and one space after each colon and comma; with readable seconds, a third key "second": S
{"hour": 10, "minute": 6}
